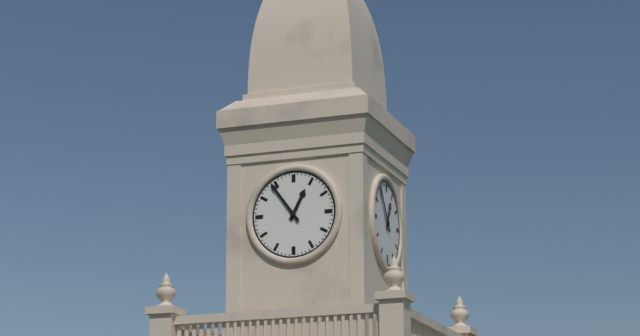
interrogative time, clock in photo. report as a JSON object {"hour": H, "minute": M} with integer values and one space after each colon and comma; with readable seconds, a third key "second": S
{"hour": 12, "minute": 54}
